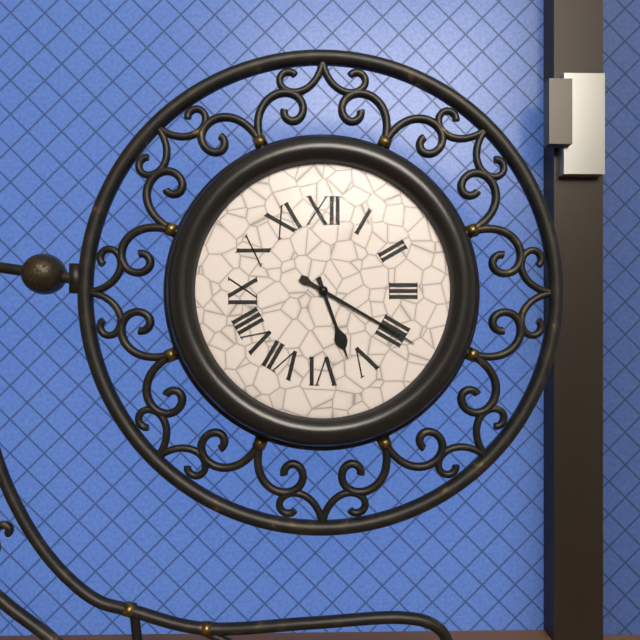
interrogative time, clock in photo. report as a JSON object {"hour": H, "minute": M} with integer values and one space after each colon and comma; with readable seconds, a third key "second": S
{"hour": 5, "minute": 20}
